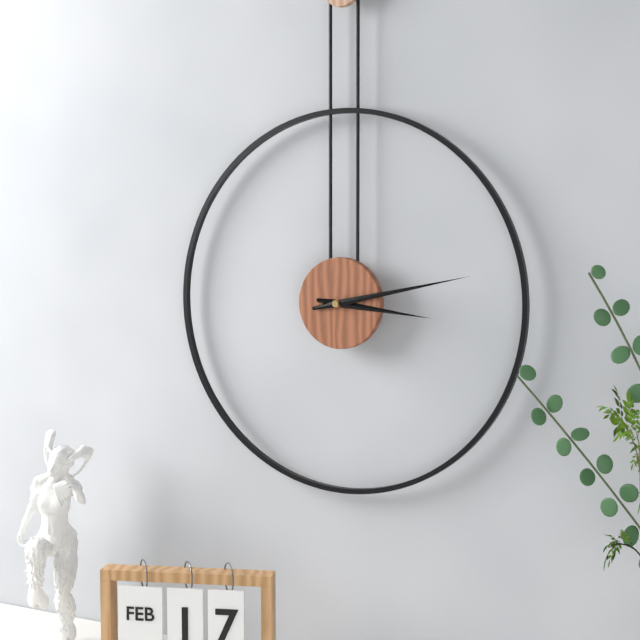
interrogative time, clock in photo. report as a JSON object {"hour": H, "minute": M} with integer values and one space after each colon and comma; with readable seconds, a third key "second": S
{"hour": 3, "minute": 13}
